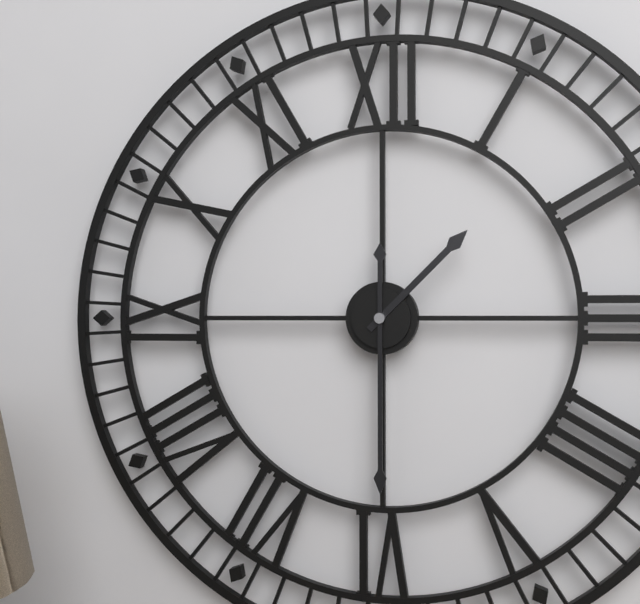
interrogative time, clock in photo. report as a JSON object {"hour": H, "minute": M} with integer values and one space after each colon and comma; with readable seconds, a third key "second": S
{"hour": 1, "minute": 30}
